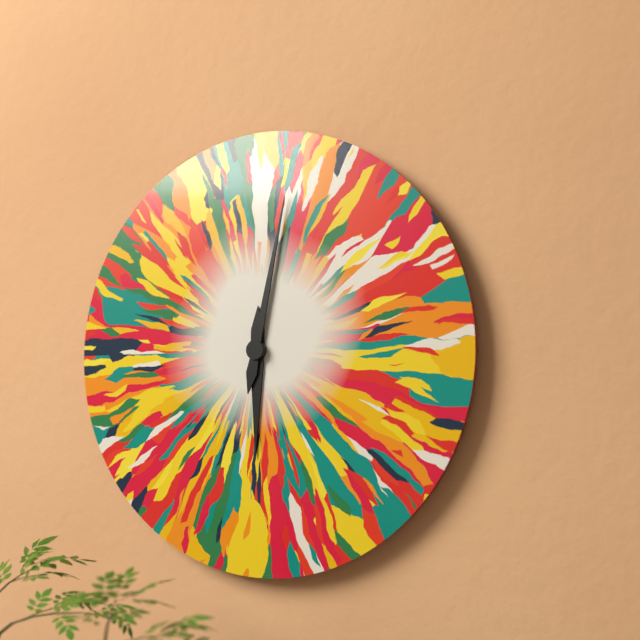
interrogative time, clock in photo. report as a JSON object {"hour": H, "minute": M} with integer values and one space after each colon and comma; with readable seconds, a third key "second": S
{"hour": 6, "minute": 2}
